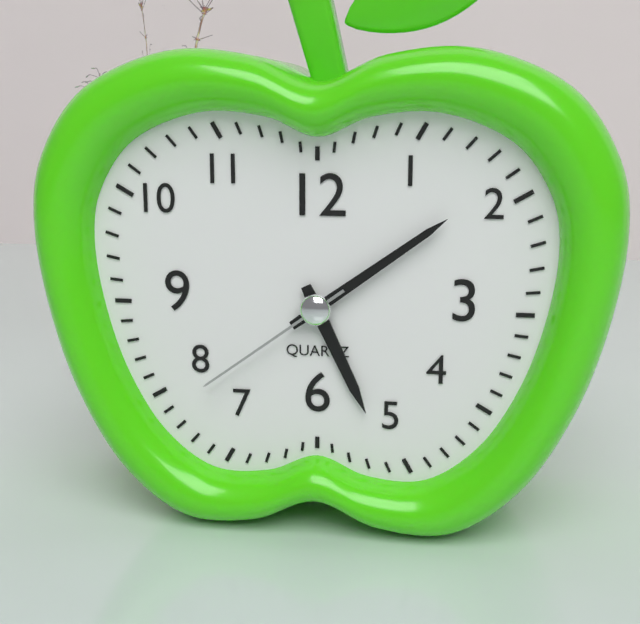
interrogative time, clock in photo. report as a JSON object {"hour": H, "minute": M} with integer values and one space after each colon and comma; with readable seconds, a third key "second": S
{"hour": 5, "minute": 9, "second": 39}
